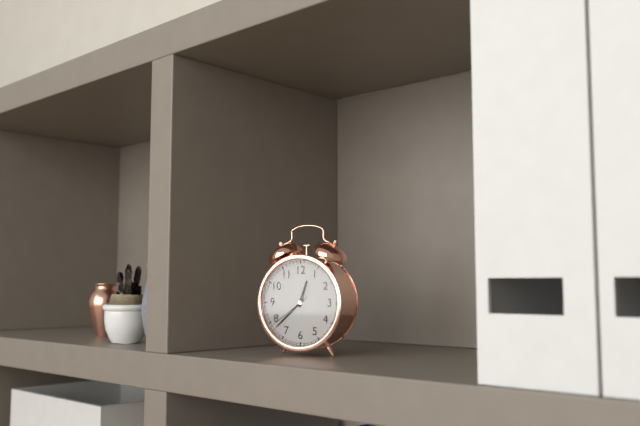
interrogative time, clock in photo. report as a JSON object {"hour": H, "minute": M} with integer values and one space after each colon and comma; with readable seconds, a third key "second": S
{"hour": 12, "minute": 38}
